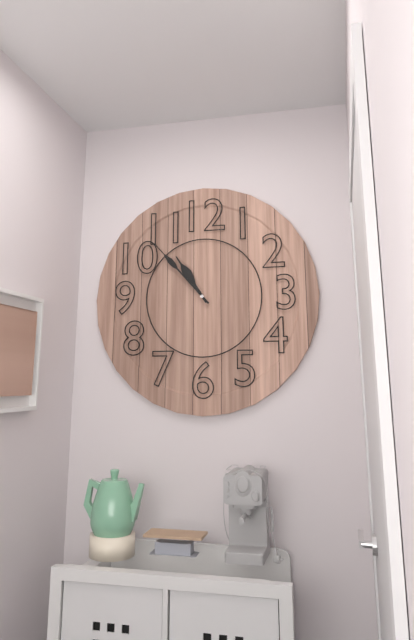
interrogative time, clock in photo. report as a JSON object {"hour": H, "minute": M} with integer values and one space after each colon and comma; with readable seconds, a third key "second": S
{"hour": 10, "minute": 53}
